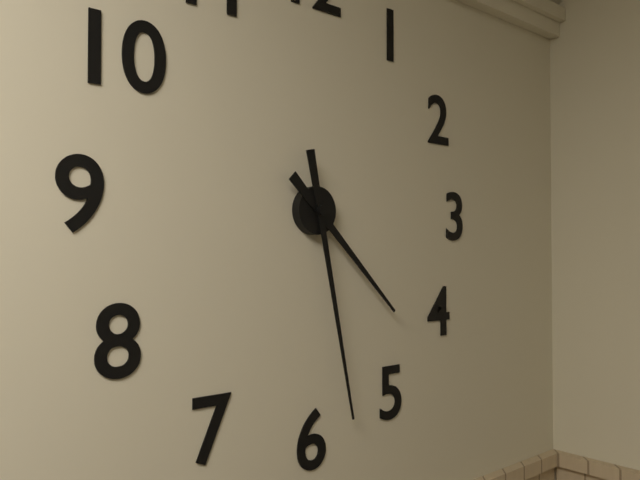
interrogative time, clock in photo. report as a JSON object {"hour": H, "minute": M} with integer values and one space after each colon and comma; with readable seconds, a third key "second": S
{"hour": 4, "minute": 28}
